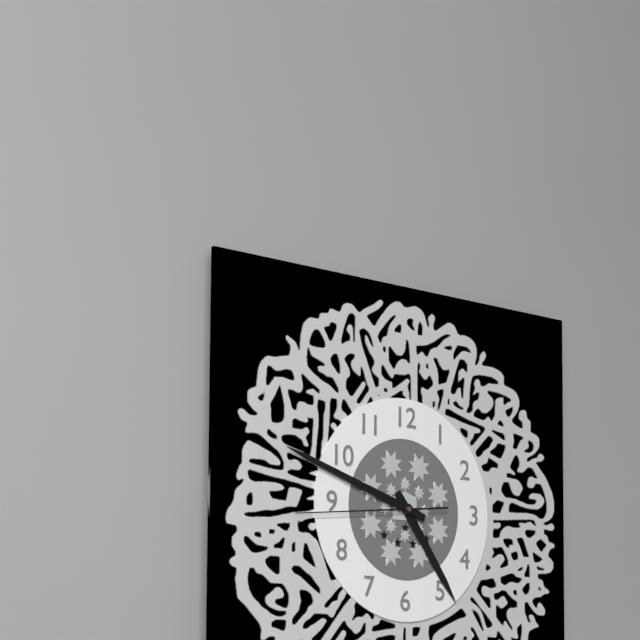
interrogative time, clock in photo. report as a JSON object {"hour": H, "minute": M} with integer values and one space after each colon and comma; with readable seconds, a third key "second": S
{"hour": 4, "minute": 48, "second": 44}
